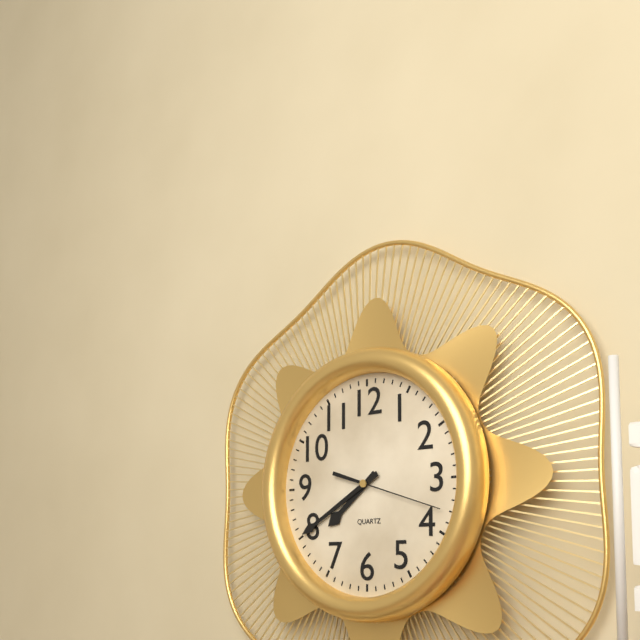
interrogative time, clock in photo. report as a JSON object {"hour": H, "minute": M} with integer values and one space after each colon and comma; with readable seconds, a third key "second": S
{"hour": 7, "minute": 40, "second": 18}
